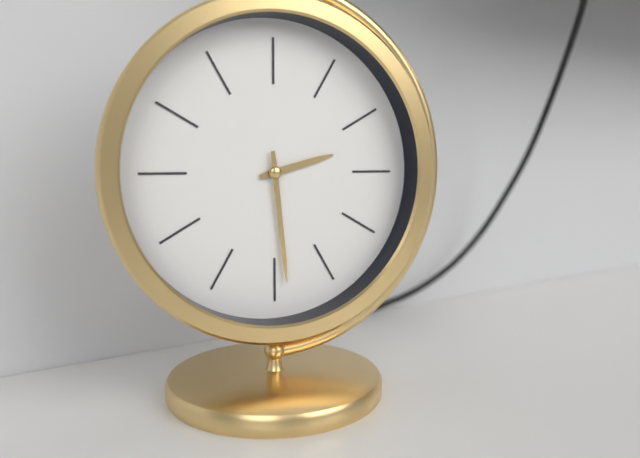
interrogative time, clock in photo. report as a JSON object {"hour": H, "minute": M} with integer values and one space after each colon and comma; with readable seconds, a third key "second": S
{"hour": 2, "minute": 29}
